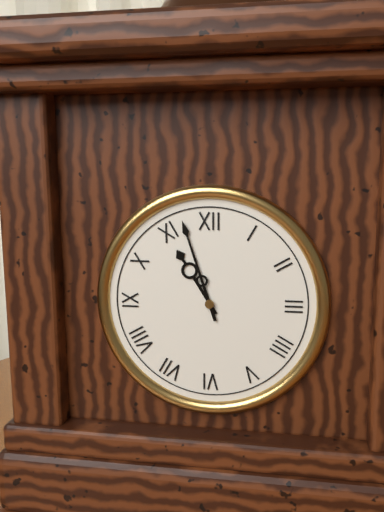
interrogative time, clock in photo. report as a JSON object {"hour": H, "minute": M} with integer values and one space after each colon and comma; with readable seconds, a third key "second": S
{"hour": 10, "minute": 57}
